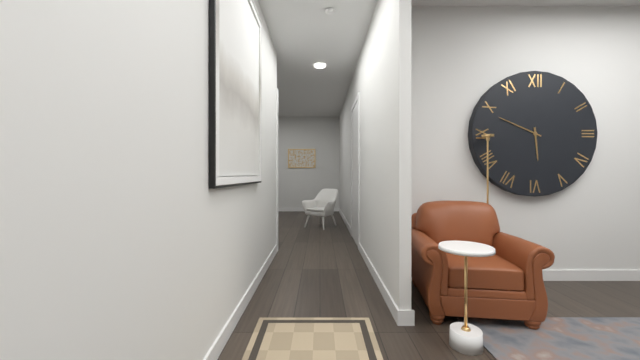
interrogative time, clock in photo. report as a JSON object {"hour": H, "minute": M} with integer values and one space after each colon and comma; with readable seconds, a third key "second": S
{"hour": 5, "minute": 49}
